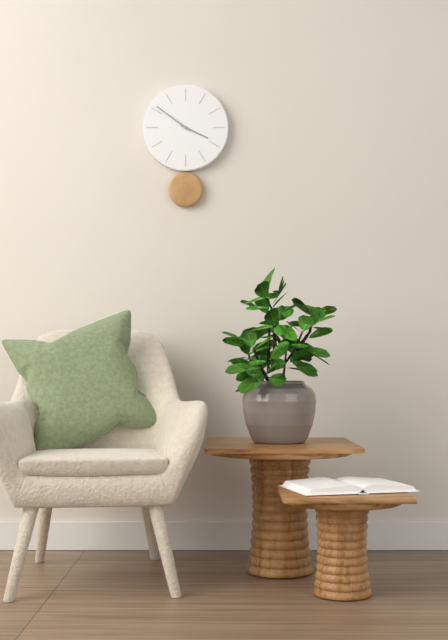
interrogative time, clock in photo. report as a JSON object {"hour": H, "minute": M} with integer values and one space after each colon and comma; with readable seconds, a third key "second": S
{"hour": 3, "minute": 51}
